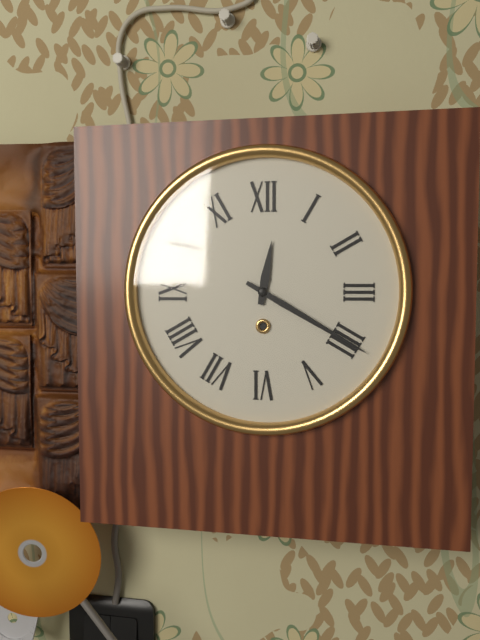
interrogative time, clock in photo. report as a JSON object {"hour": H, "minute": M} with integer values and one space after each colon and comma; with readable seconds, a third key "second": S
{"hour": 12, "minute": 20}
